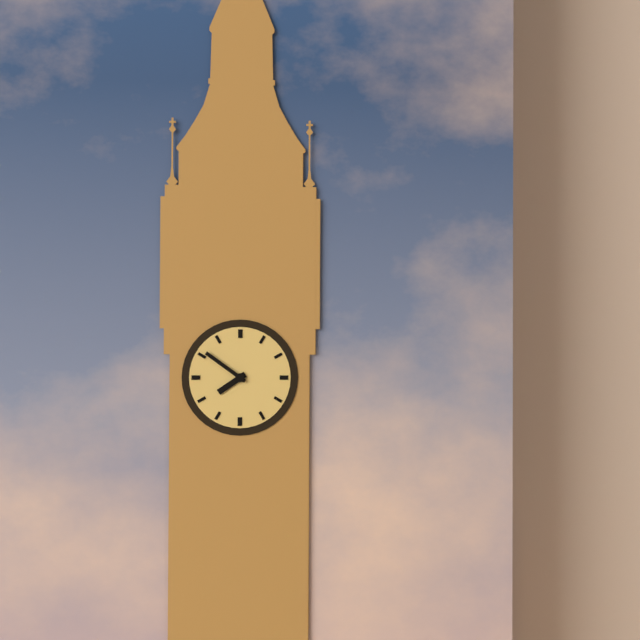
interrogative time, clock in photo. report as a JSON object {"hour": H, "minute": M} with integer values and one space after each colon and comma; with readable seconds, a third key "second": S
{"hour": 7, "minute": 51}
